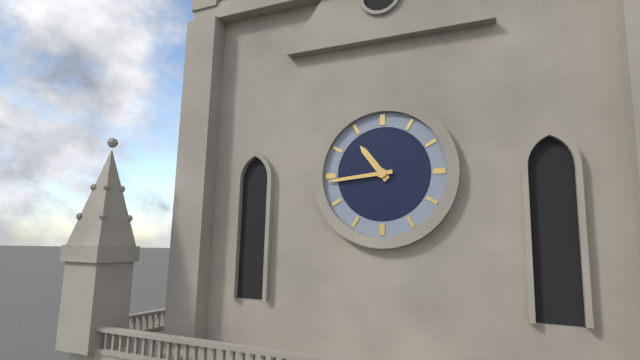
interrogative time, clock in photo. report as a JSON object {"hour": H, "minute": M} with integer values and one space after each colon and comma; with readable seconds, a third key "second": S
{"hour": 10, "minute": 44}
